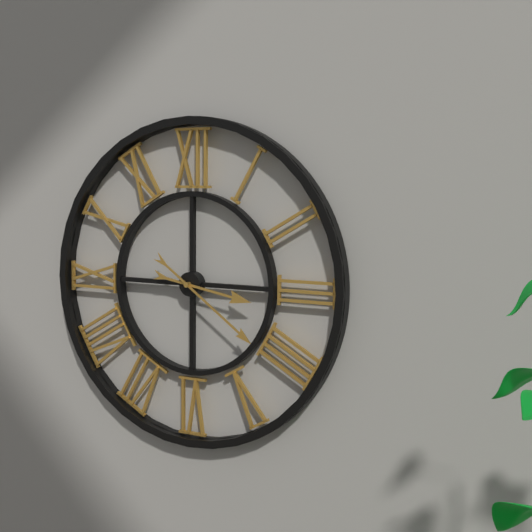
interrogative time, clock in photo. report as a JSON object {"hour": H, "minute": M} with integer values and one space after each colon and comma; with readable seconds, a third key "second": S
{"hour": 3, "minute": 21}
